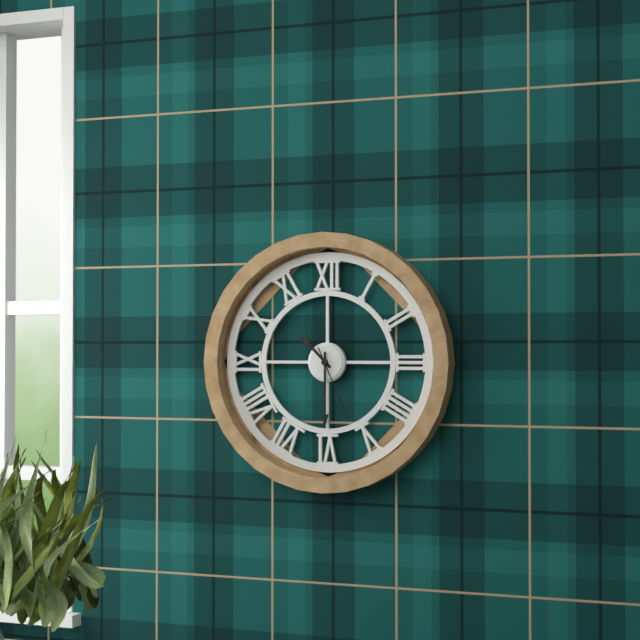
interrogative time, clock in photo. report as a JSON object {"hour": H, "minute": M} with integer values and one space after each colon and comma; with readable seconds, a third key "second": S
{"hour": 10, "minute": 30, "second": 26}
